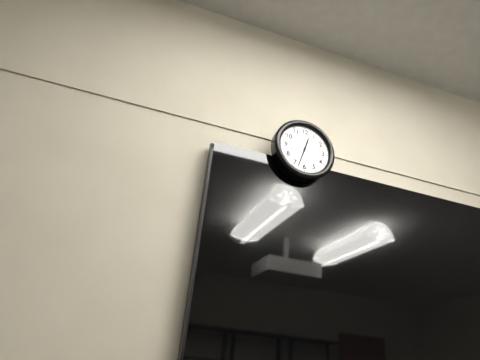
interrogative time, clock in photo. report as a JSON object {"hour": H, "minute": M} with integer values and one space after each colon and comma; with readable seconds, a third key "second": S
{"hour": 12, "minute": 33}
